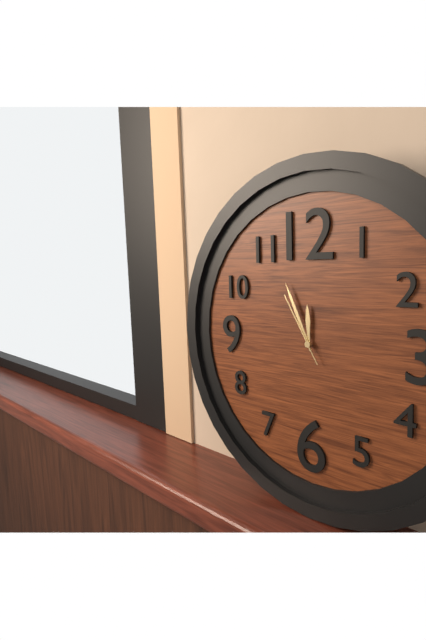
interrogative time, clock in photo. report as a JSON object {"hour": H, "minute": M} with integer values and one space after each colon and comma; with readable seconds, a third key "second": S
{"hour": 11, "minute": 56, "second": 55}
